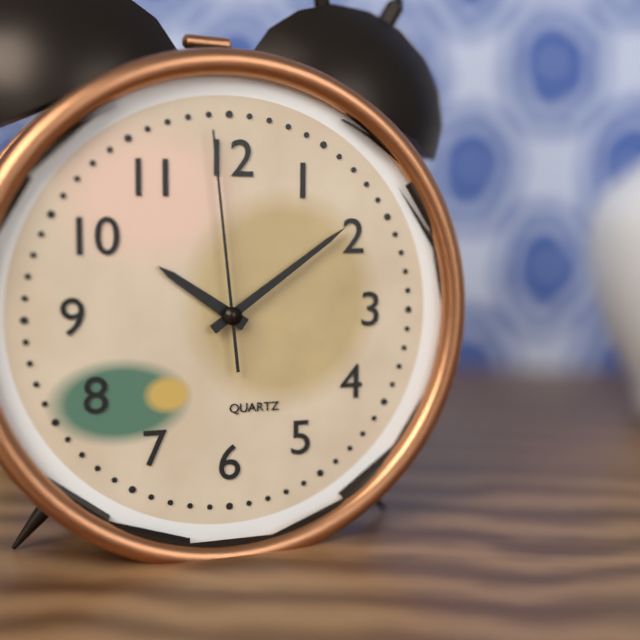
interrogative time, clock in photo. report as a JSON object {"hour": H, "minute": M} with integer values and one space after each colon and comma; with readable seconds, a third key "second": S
{"hour": 10, "minute": 9, "second": 59}
